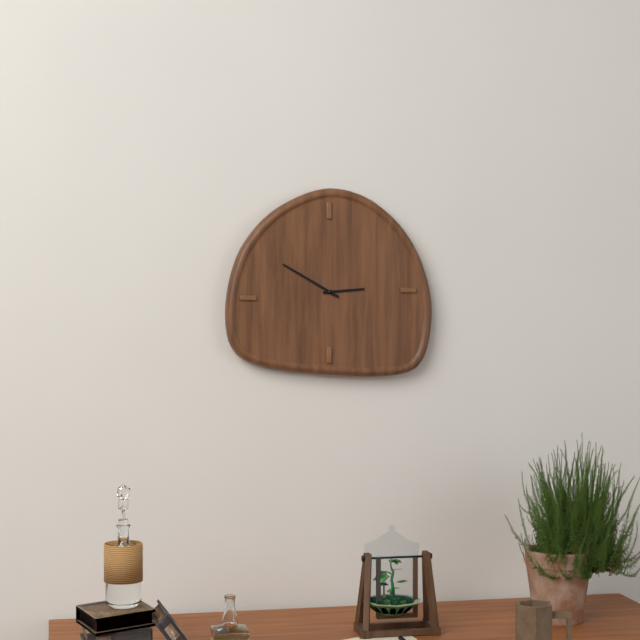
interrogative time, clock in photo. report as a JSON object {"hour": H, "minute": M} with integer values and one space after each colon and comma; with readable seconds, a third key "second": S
{"hour": 2, "minute": 50}
